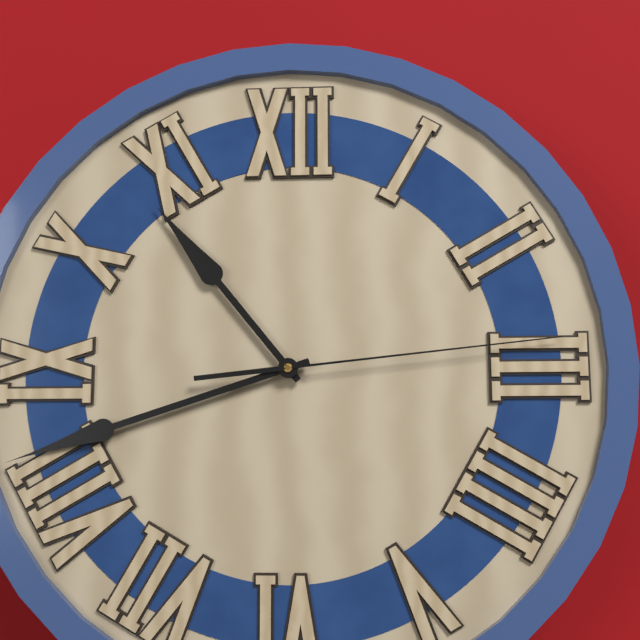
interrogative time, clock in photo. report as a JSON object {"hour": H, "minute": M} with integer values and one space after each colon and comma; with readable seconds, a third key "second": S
{"hour": 10, "minute": 42, "second": 14}
